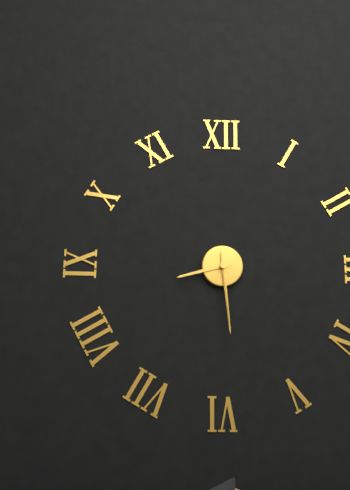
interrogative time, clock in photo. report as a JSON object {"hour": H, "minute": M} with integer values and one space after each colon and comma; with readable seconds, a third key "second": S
{"hour": 8, "minute": 29, "second": 29}
